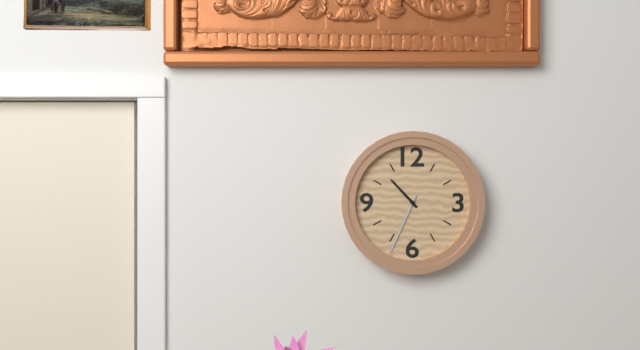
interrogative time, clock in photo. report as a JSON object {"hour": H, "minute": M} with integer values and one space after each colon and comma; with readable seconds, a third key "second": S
{"hour": 10, "minute": 34}
